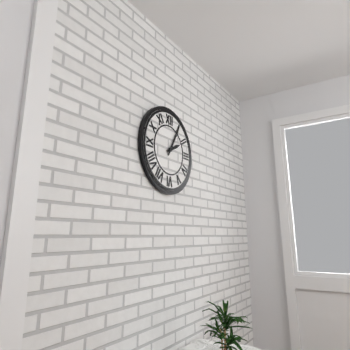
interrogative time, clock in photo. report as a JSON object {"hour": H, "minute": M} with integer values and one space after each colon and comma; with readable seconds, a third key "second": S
{"hour": 2, "minute": 5}
